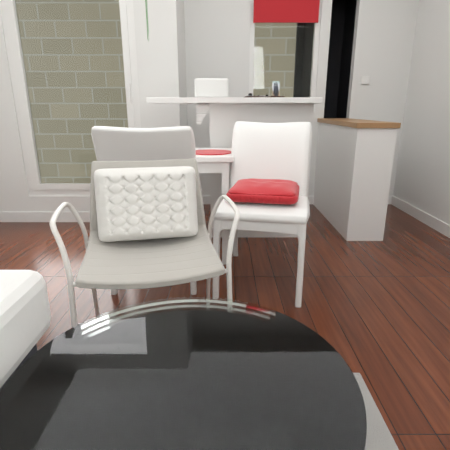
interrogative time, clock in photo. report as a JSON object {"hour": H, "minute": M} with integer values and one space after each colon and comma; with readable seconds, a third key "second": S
{"hour": 3, "minute": 57}
